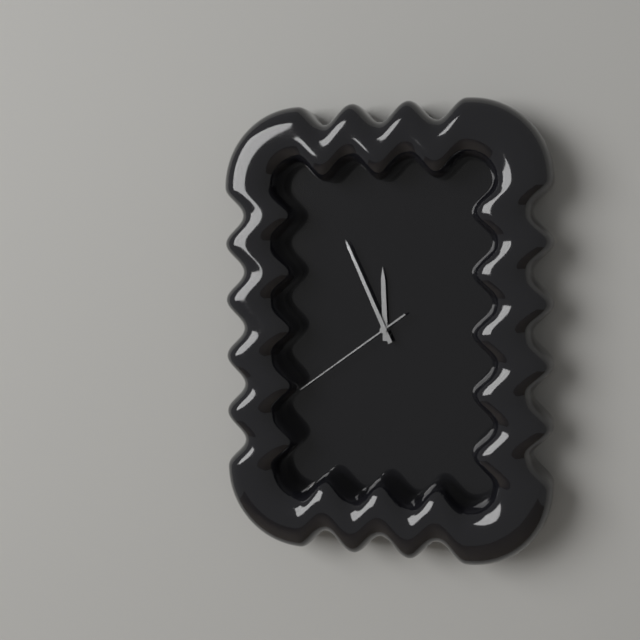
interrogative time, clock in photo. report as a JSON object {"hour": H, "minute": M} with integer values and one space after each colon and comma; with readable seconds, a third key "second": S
{"hour": 11, "minute": 56, "second": 39}
